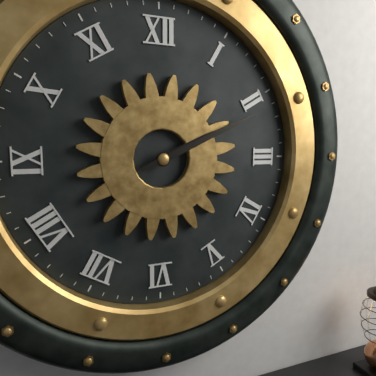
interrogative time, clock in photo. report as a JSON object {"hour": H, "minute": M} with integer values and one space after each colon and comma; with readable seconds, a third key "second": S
{"hour": 2, "minute": 11}
